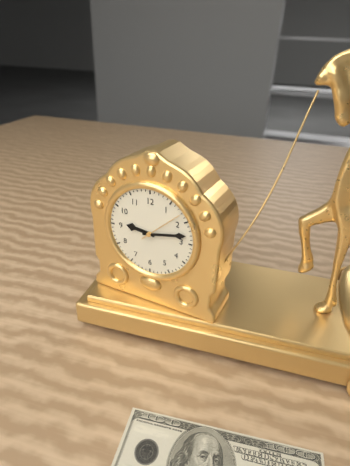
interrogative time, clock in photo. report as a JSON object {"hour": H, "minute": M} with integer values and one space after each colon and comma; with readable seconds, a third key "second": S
{"hour": 9, "minute": 13}
